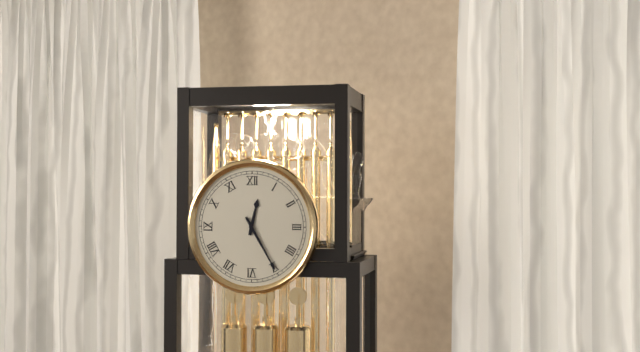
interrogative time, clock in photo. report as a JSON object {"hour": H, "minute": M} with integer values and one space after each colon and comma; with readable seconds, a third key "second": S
{"hour": 12, "minute": 25}
